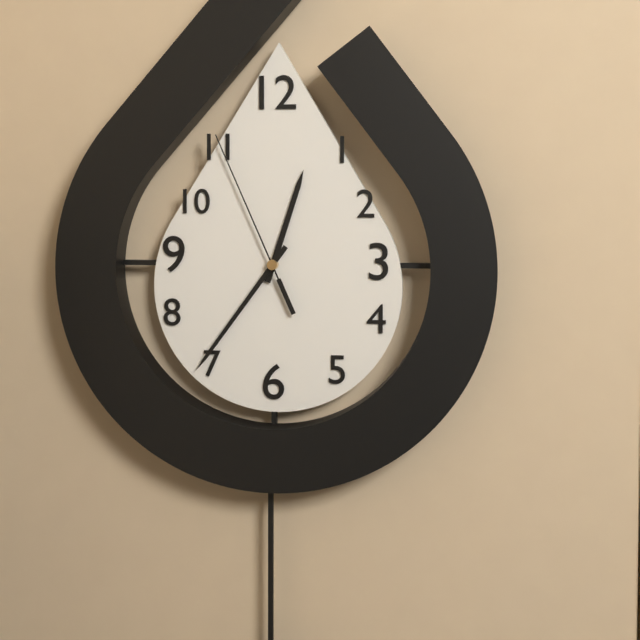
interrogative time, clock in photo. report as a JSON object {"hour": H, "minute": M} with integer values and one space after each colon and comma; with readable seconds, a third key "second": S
{"hour": 12, "minute": 36, "second": 56}
